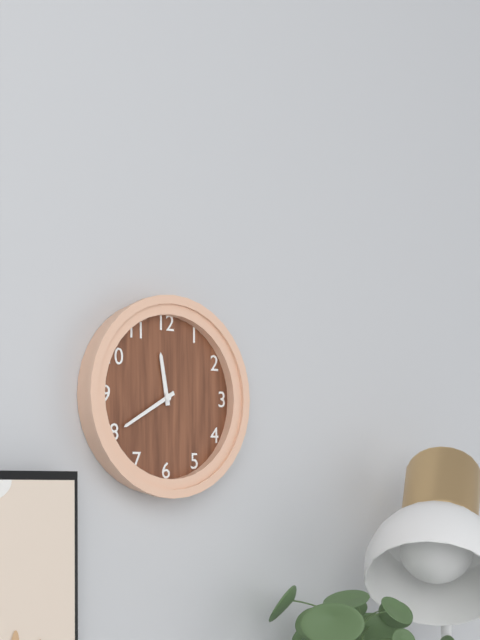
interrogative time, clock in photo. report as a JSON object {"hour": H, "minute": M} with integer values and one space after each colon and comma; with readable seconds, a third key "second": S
{"hour": 11, "minute": 40}
